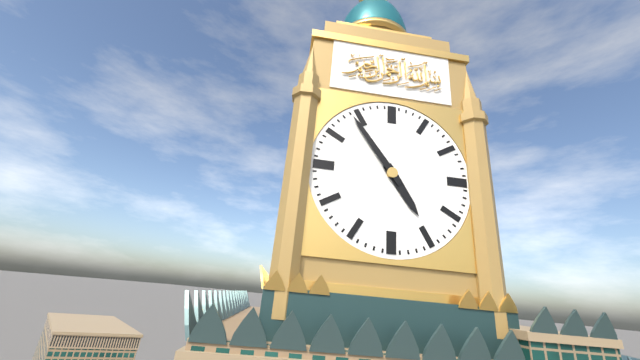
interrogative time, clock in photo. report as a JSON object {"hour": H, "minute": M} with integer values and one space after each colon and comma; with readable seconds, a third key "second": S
{"hour": 4, "minute": 54}
